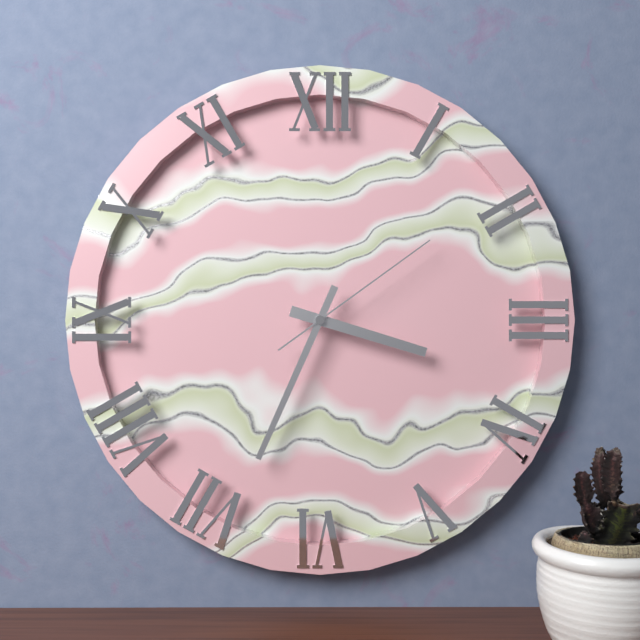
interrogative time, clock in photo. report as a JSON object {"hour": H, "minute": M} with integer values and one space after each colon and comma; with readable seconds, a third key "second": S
{"hour": 3, "minute": 34, "second": 9}
